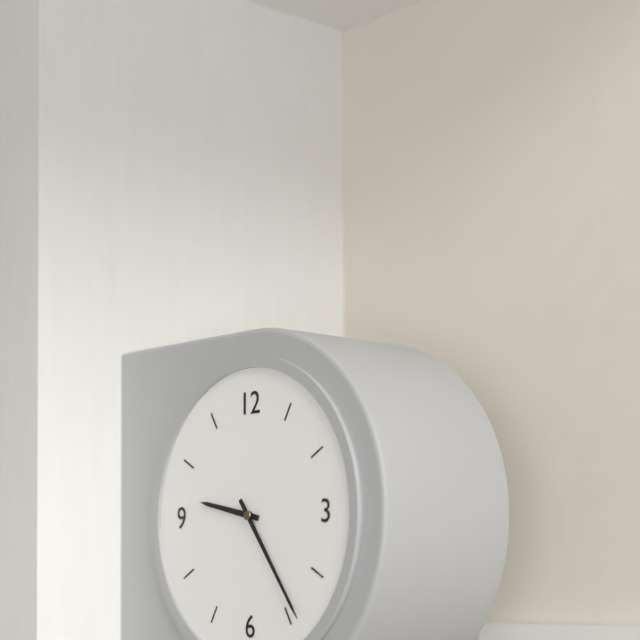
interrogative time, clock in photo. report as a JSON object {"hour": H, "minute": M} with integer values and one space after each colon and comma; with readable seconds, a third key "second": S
{"hour": 9, "minute": 24}
